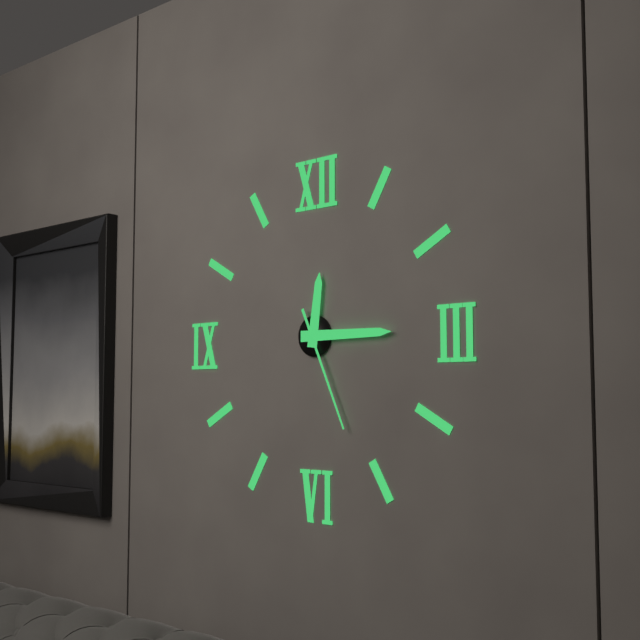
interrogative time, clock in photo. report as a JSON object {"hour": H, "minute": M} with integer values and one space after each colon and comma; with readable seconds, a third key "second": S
{"hour": 12, "minute": 15, "second": 26}
